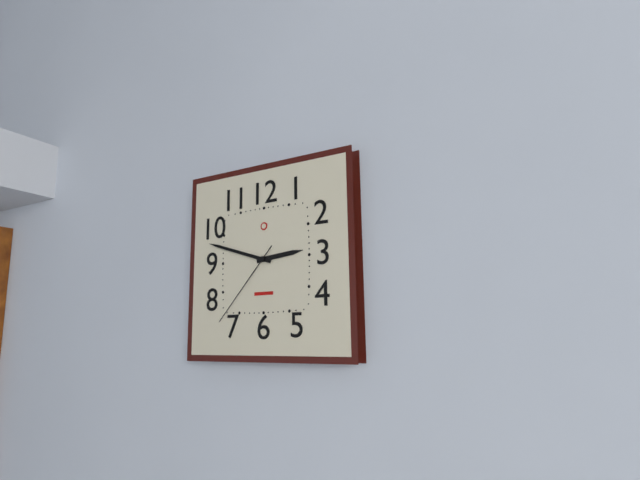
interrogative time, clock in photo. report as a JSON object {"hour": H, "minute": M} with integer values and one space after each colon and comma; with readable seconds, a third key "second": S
{"hour": 2, "minute": 48, "second": 37}
